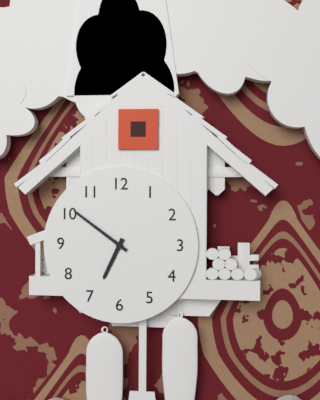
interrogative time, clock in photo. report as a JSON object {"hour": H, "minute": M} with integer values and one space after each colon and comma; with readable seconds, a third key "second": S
{"hour": 6, "minute": 51}
